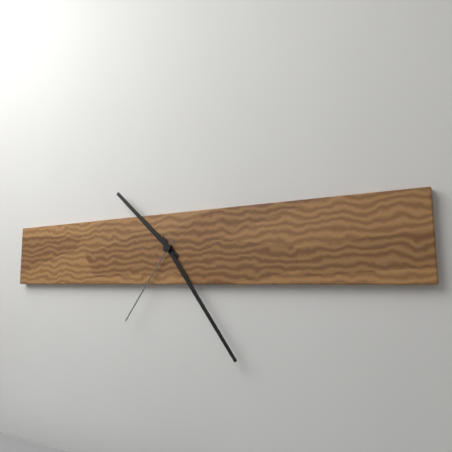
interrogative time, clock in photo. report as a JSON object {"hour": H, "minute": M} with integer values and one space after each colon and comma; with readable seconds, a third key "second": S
{"hour": 10, "minute": 24, "second": 36}
